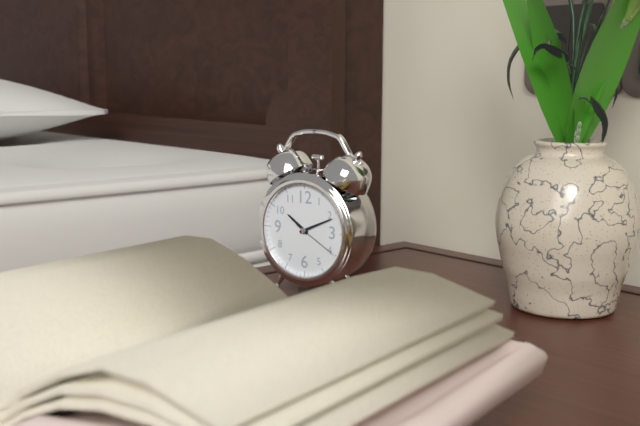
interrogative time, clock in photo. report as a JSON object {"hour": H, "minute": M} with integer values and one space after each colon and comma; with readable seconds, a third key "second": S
{"hour": 10, "minute": 11}
